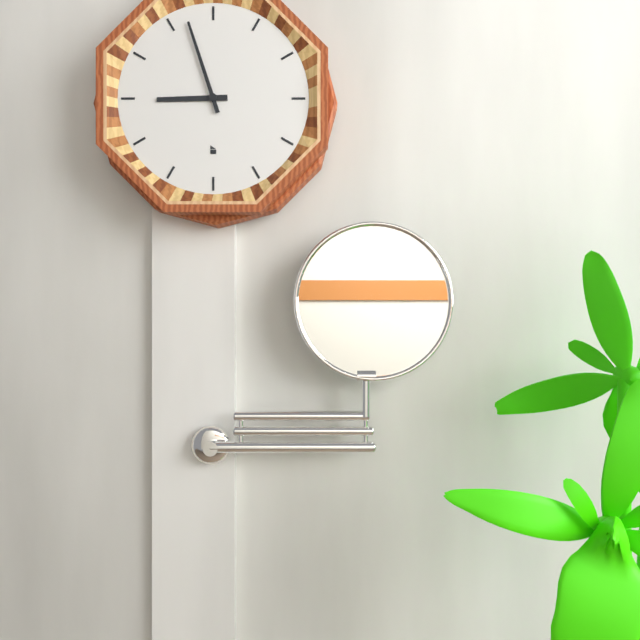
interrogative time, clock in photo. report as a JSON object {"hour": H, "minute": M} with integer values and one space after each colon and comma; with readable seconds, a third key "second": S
{"hour": 8, "minute": 57}
